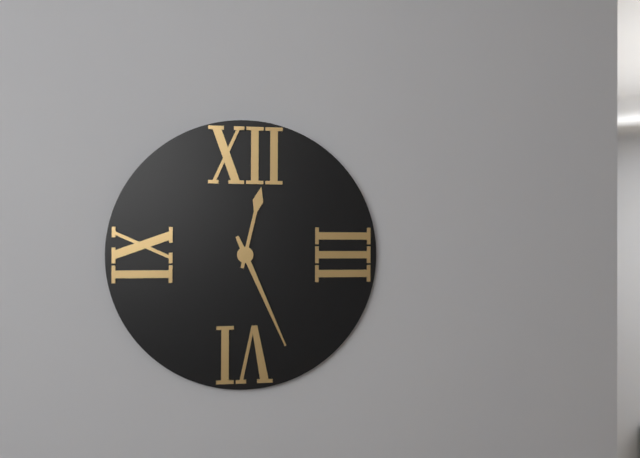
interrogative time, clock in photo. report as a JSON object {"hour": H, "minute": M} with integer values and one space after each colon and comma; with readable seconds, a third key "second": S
{"hour": 12, "minute": 26}
